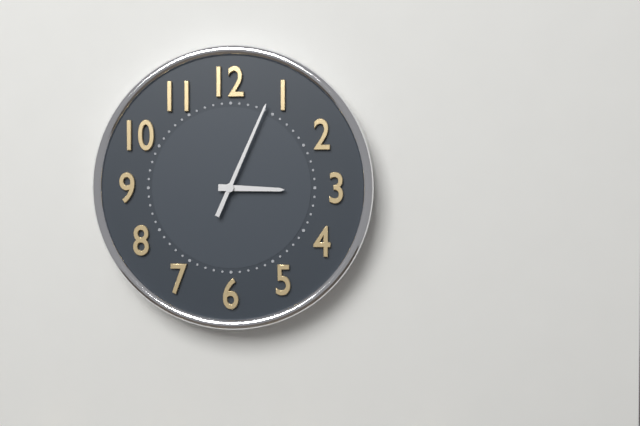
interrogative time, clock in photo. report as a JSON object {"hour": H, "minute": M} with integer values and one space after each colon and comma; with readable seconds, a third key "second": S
{"hour": 3, "minute": 4}
